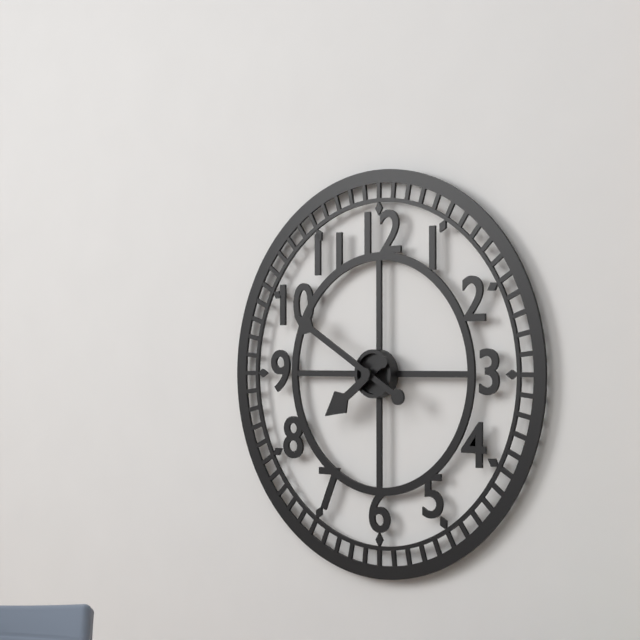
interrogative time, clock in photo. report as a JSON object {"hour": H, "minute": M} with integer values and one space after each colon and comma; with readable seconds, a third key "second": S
{"hour": 7, "minute": 50}
